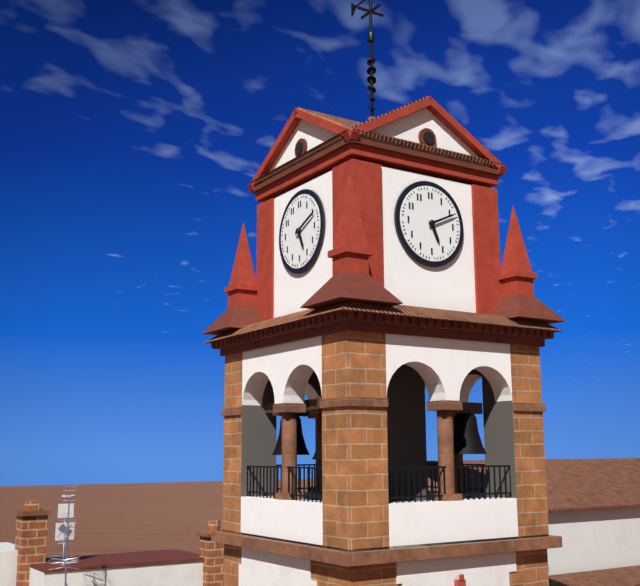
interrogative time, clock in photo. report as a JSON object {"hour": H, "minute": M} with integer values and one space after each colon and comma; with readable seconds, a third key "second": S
{"hour": 5, "minute": 11}
